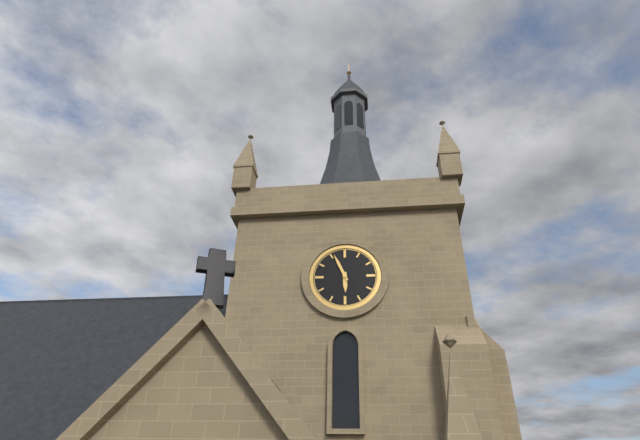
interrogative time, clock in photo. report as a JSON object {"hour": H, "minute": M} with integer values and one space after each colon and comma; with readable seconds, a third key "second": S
{"hour": 5, "minute": 56}
